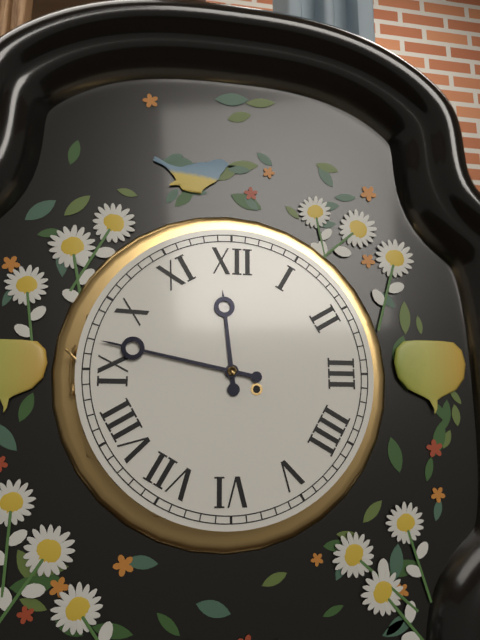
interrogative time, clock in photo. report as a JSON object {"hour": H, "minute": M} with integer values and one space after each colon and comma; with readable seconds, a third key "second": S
{"hour": 11, "minute": 47}
